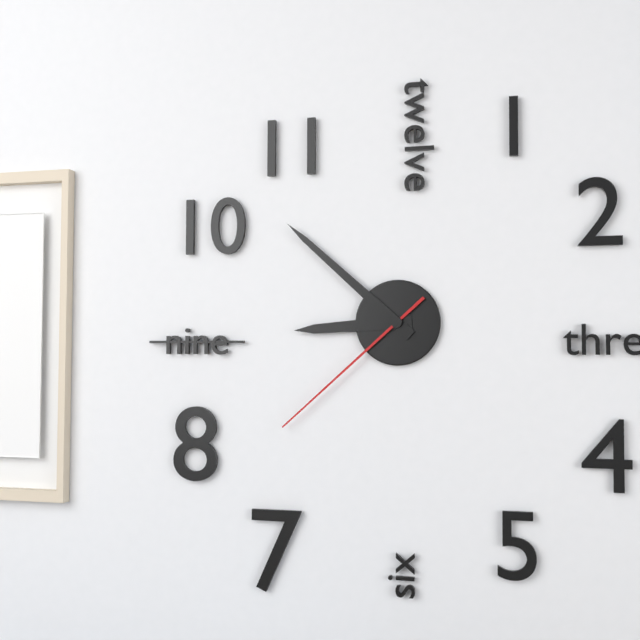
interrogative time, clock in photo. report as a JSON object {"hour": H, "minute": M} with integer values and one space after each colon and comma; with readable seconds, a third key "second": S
{"hour": 8, "minute": 52, "second": 38}
